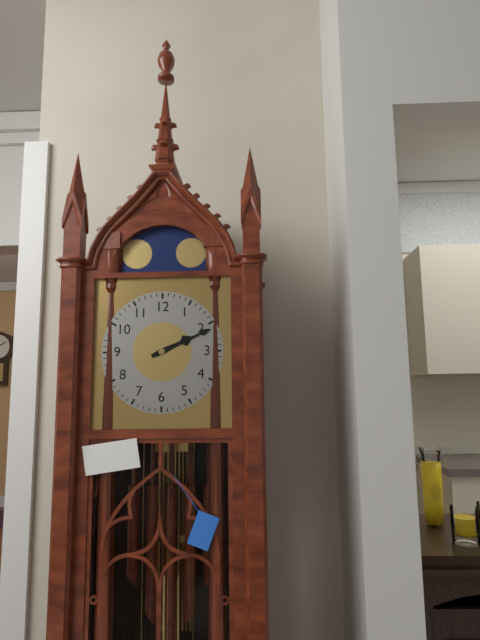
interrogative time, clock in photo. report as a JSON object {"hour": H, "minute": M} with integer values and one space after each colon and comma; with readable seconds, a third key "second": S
{"hour": 2, "minute": 11}
